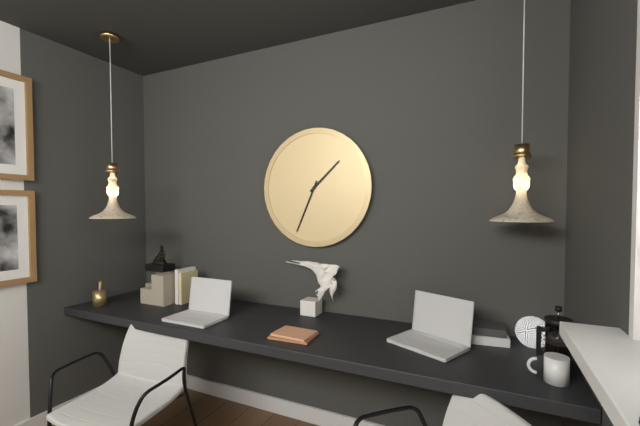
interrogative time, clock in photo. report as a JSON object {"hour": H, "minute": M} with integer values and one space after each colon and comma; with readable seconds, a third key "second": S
{"hour": 1, "minute": 34}
